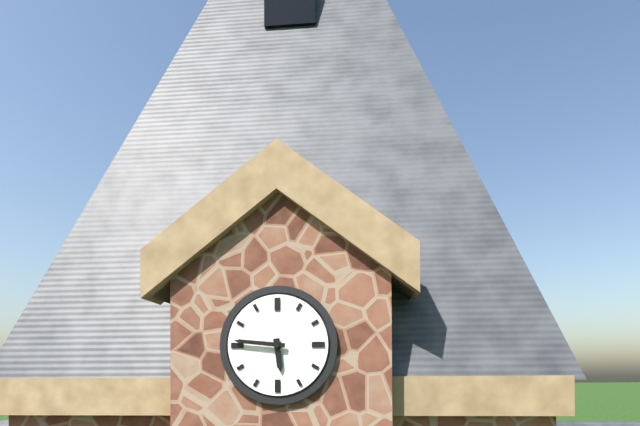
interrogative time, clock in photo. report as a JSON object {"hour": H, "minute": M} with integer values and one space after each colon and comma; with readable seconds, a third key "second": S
{"hour": 5, "minute": 46}
